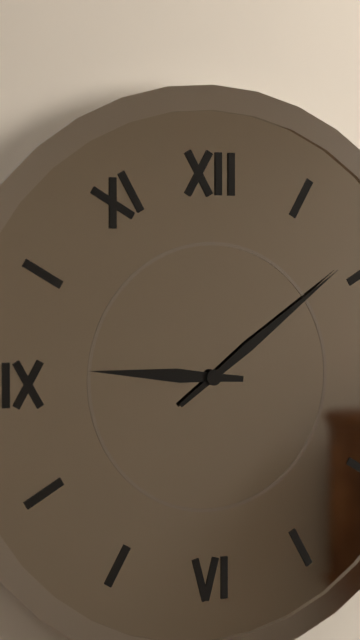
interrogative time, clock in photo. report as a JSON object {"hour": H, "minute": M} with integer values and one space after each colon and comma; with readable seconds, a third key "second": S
{"hour": 9, "minute": 9}
